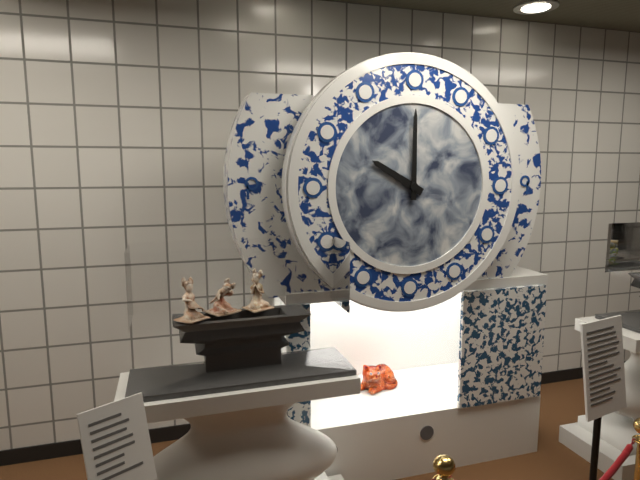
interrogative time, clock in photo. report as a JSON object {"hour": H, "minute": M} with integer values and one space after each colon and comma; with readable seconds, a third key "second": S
{"hour": 10, "minute": 0}
